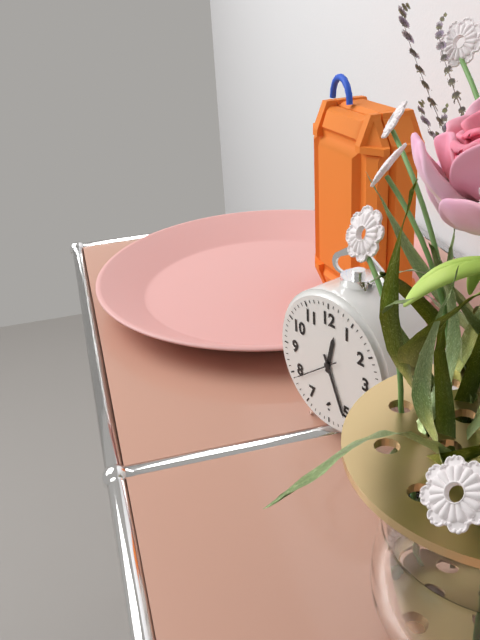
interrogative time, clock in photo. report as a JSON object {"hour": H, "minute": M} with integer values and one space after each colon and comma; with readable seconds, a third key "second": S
{"hour": 12, "minute": 26}
